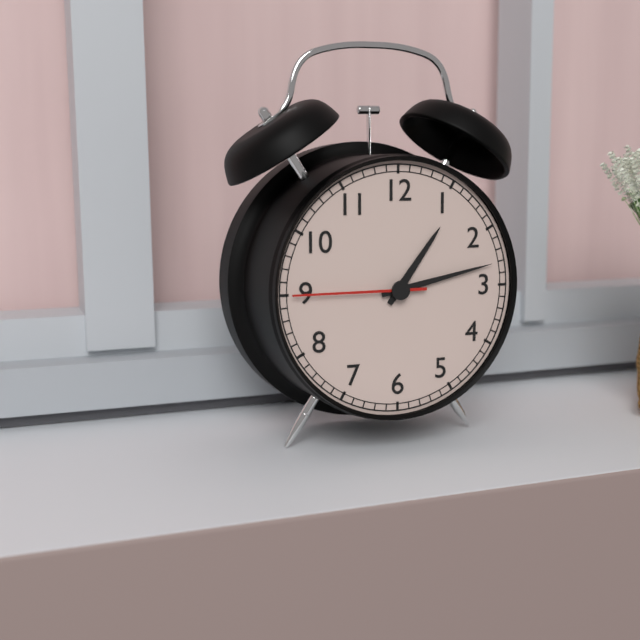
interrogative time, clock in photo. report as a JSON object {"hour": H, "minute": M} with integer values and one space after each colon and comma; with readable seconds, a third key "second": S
{"hour": 1, "minute": 13, "second": 45}
